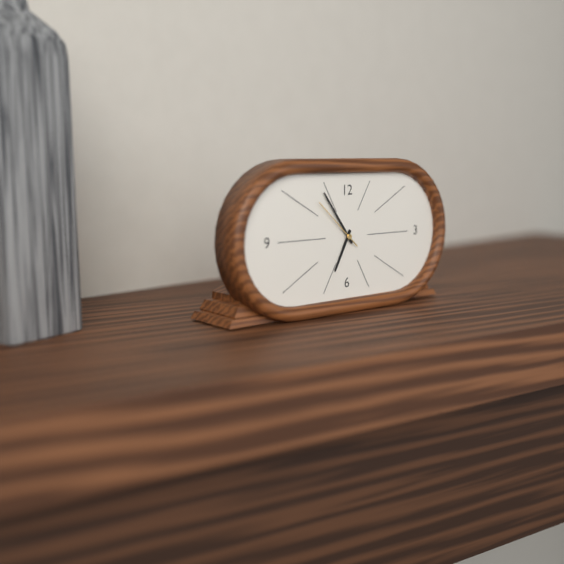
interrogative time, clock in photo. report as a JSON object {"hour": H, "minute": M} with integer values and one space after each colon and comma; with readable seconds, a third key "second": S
{"hour": 6, "minute": 54, "second": 52}
